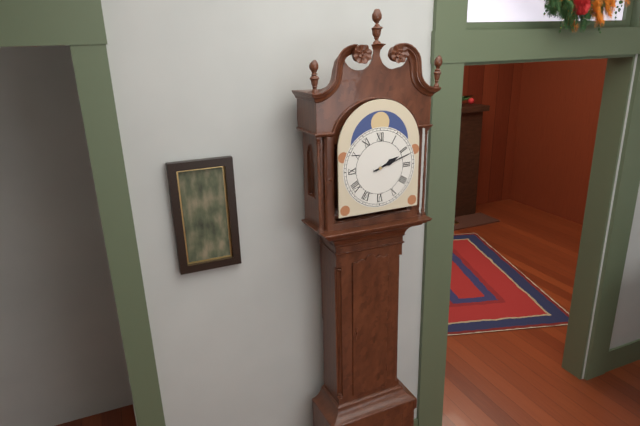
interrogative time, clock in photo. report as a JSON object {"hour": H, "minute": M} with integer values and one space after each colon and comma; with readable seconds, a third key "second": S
{"hour": 2, "minute": 12}
